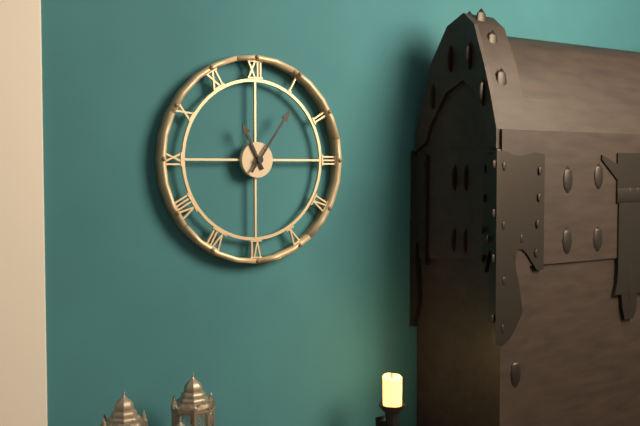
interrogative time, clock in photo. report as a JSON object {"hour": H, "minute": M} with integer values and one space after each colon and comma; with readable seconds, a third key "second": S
{"hour": 11, "minute": 6}
